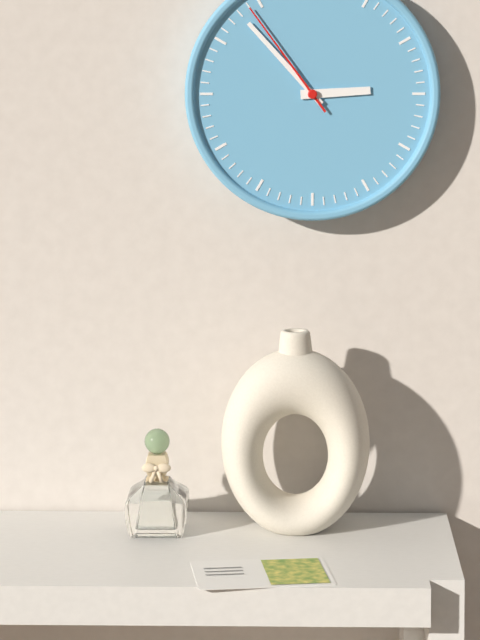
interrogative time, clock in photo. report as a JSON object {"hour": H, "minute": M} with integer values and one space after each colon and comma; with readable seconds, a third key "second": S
{"hour": 2, "minute": 53, "second": 54}
